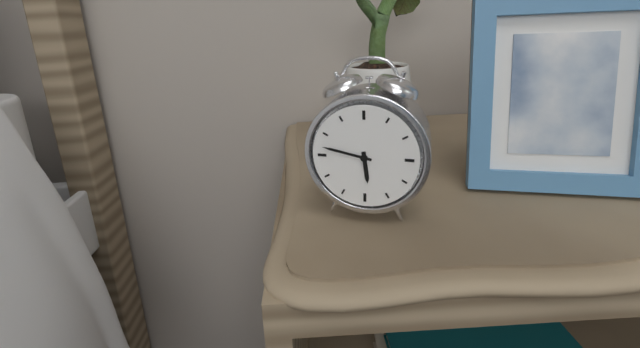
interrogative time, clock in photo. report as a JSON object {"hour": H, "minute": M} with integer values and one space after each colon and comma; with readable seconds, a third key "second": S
{"hour": 5, "minute": 47}
